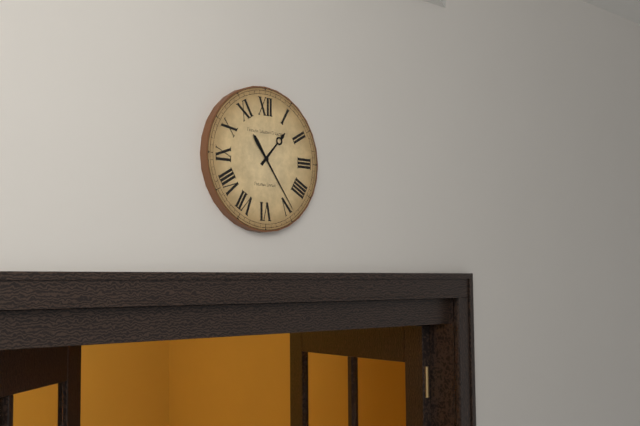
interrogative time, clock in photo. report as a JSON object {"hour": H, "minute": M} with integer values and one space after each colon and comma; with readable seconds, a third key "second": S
{"hour": 1, "minute": 24}
